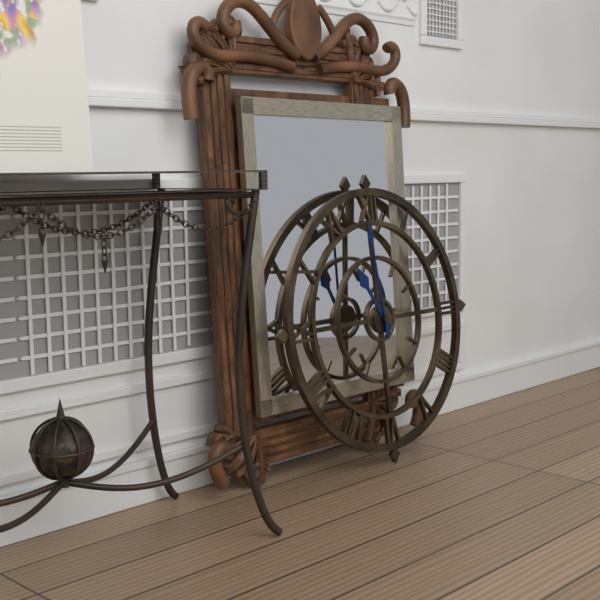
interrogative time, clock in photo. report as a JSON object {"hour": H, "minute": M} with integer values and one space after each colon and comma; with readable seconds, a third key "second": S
{"hour": 10, "minute": 59}
